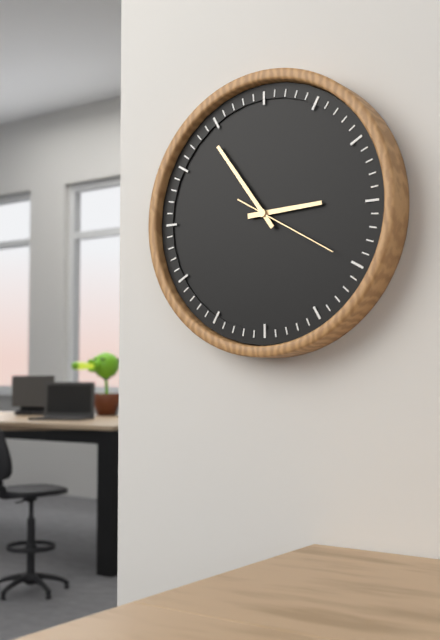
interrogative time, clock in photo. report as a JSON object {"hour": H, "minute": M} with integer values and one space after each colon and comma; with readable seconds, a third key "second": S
{"hour": 2, "minute": 54, "second": 20}
